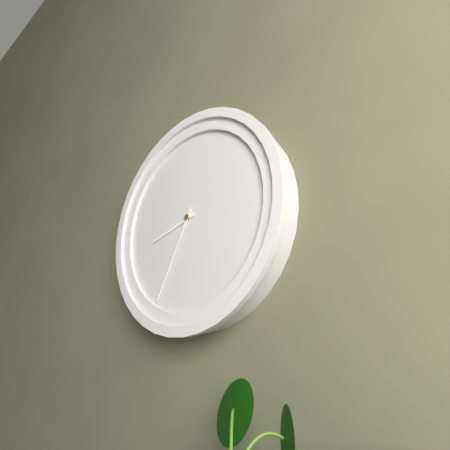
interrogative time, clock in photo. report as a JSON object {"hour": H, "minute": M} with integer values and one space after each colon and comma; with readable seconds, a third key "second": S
{"hour": 8, "minute": 35}
